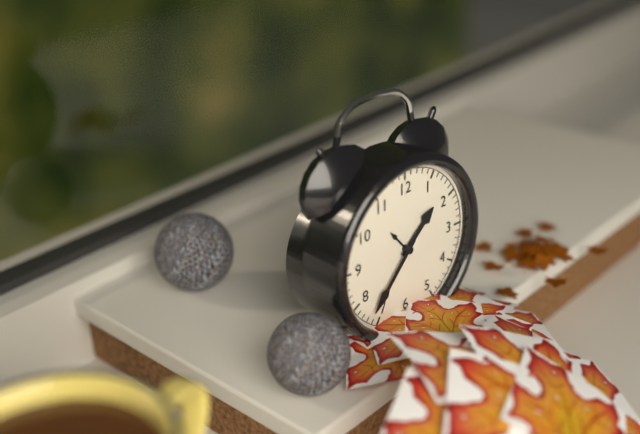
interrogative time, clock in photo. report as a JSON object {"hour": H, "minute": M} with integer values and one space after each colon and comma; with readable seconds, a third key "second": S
{"hour": 1, "minute": 37}
